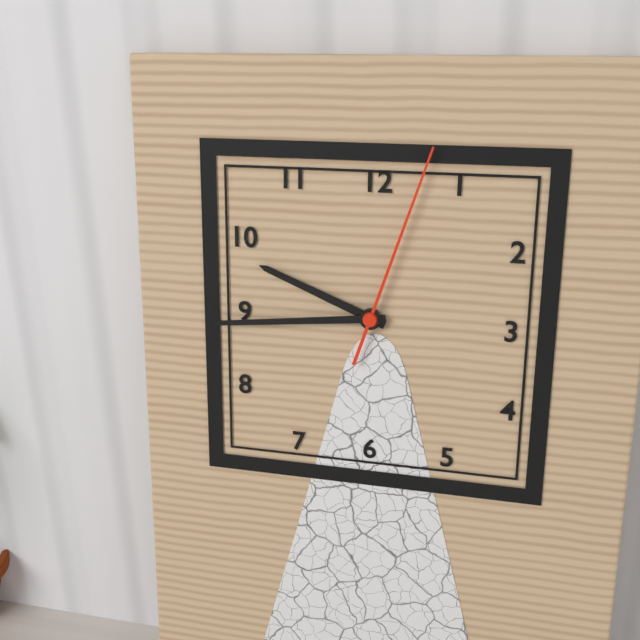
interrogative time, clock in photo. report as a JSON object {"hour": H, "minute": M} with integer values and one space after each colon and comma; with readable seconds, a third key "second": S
{"hour": 9, "minute": 44, "second": 3}
